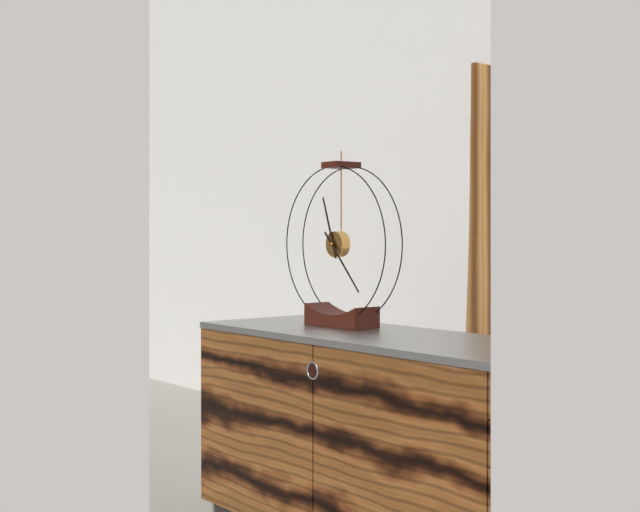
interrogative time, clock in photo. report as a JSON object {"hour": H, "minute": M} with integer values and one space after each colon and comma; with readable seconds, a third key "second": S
{"hour": 11, "minute": 23}
